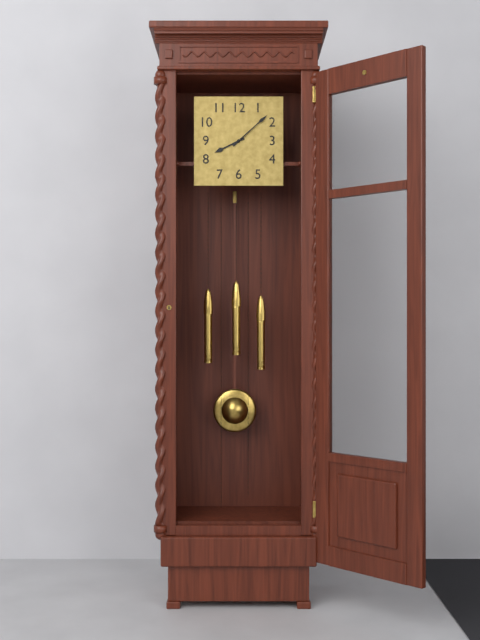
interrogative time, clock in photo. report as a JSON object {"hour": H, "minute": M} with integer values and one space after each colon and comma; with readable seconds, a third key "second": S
{"hour": 8, "minute": 8}
